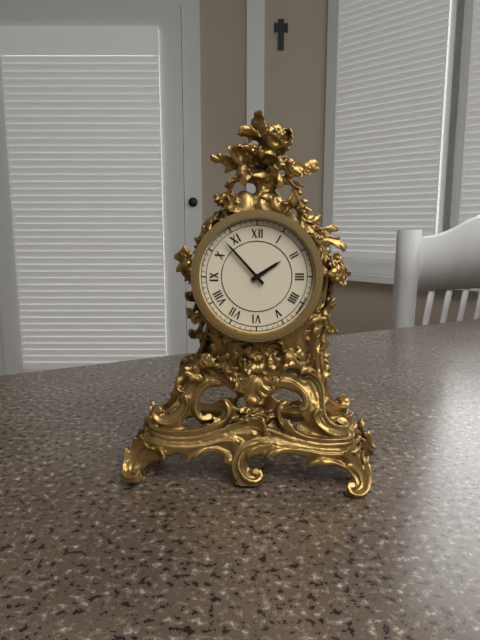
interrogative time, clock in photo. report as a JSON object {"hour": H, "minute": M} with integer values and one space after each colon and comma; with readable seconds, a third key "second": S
{"hour": 1, "minute": 53}
